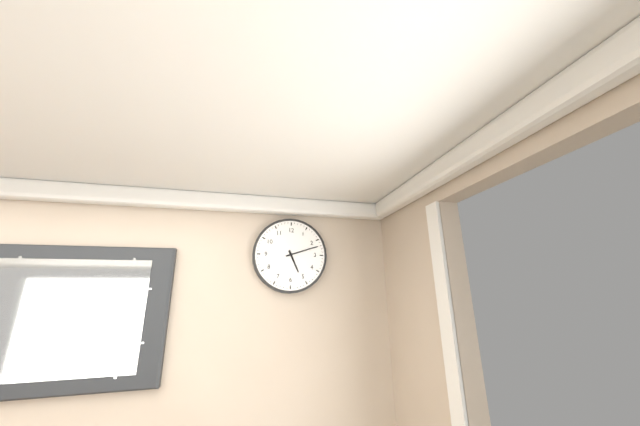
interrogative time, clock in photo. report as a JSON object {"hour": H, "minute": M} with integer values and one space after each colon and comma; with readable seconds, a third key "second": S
{"hour": 5, "minute": 12}
